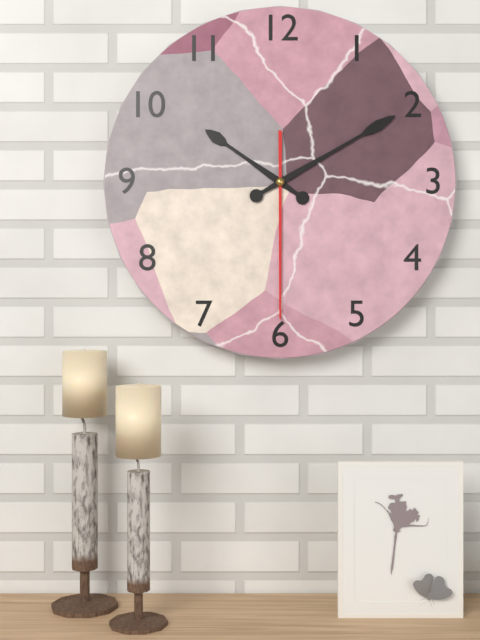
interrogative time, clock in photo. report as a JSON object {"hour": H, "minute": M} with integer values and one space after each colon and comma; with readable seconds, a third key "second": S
{"hour": 10, "minute": 10, "second": 30}
